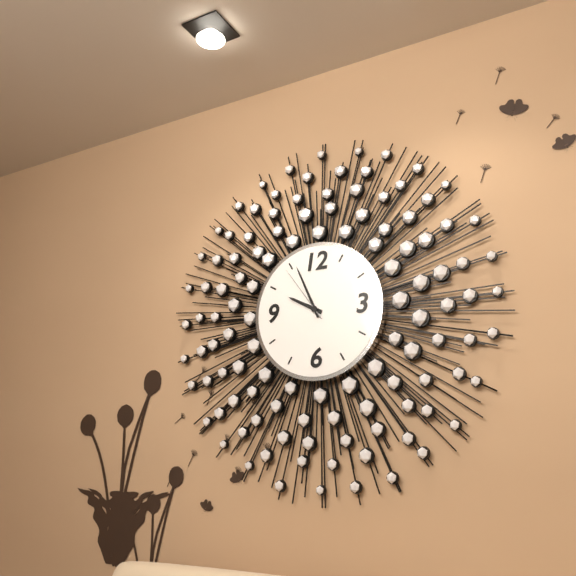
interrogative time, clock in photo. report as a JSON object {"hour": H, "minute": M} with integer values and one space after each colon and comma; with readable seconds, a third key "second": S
{"hour": 9, "minute": 56, "second": 54}
